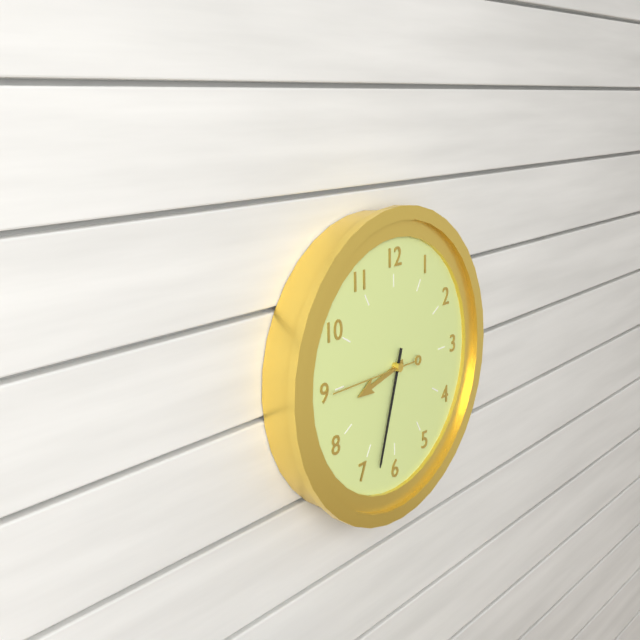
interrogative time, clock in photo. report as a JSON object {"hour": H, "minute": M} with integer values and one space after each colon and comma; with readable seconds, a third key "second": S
{"hour": 8, "minute": 33, "second": 45}
